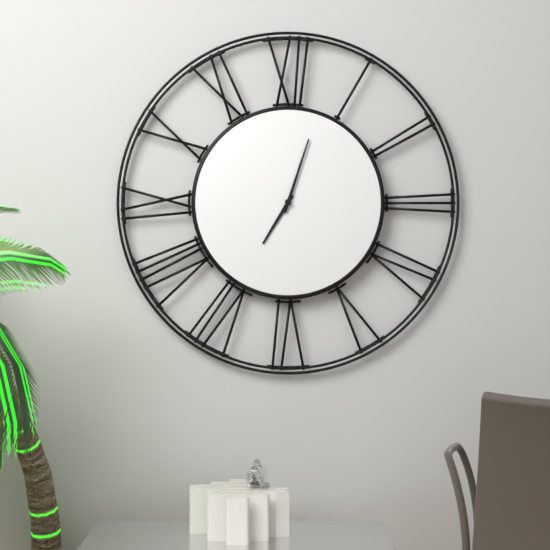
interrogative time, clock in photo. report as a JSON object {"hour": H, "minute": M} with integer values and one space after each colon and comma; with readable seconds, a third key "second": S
{"hour": 7, "minute": 3}
